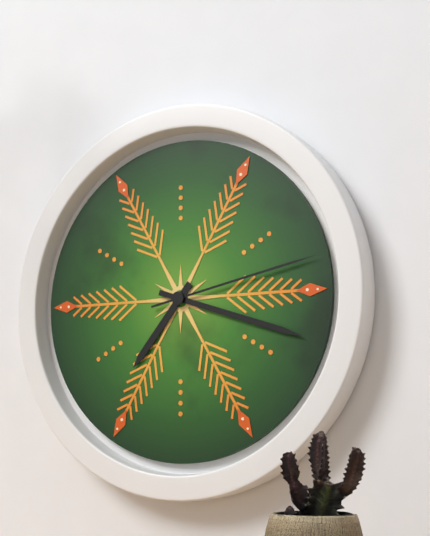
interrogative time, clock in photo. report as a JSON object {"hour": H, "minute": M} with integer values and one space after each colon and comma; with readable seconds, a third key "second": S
{"hour": 7, "minute": 18, "second": 13}
